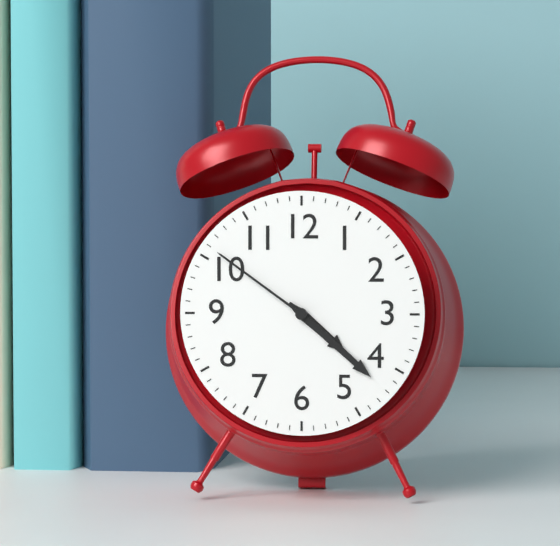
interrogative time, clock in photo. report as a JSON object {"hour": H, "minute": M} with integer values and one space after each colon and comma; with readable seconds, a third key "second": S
{"hour": 4, "minute": 22, "second": 51}
